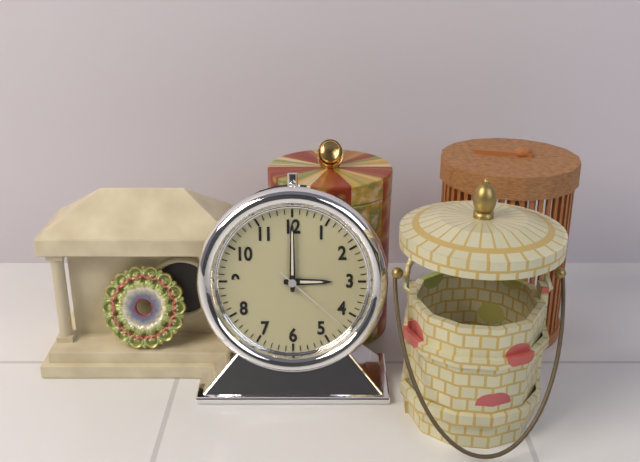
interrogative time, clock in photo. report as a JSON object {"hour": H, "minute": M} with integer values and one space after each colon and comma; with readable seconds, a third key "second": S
{"hour": 3, "minute": 0, "second": 22}
